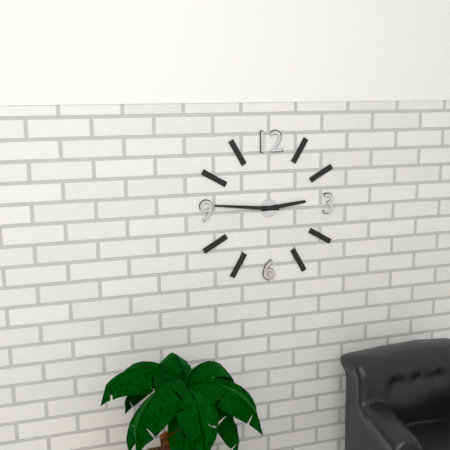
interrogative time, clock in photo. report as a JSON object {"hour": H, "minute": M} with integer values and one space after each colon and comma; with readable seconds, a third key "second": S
{"hour": 2, "minute": 46}
